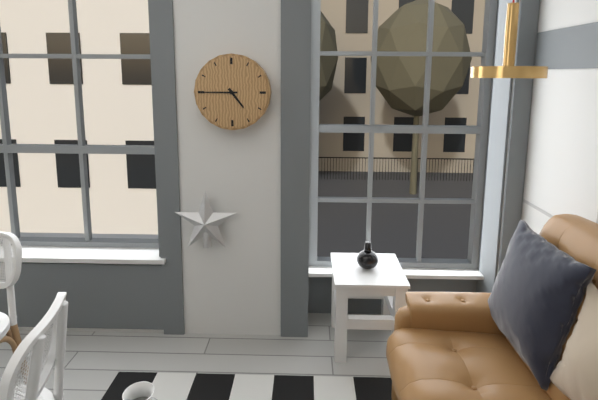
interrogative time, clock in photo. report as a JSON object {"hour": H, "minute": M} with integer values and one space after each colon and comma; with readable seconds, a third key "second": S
{"hour": 4, "minute": 45}
